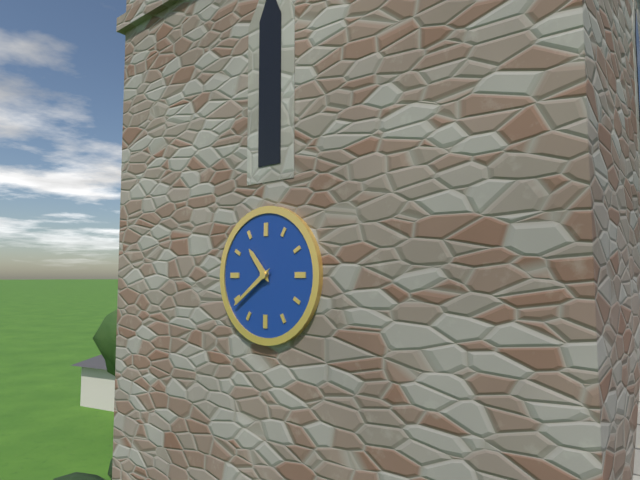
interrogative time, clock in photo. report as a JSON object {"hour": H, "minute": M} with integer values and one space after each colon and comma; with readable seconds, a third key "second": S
{"hour": 10, "minute": 39}
